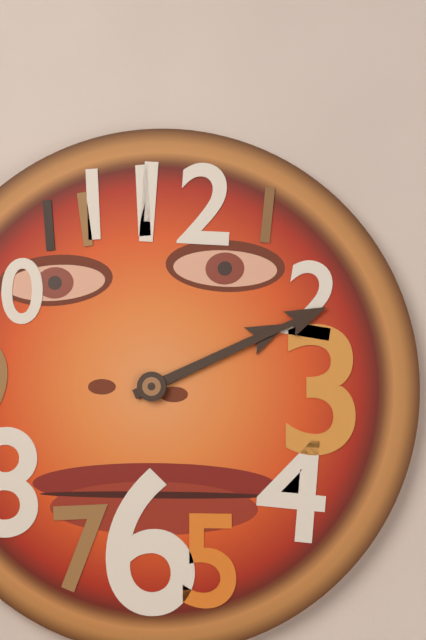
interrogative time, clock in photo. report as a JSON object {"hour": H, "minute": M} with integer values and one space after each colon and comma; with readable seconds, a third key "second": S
{"hour": 2, "minute": 11}
